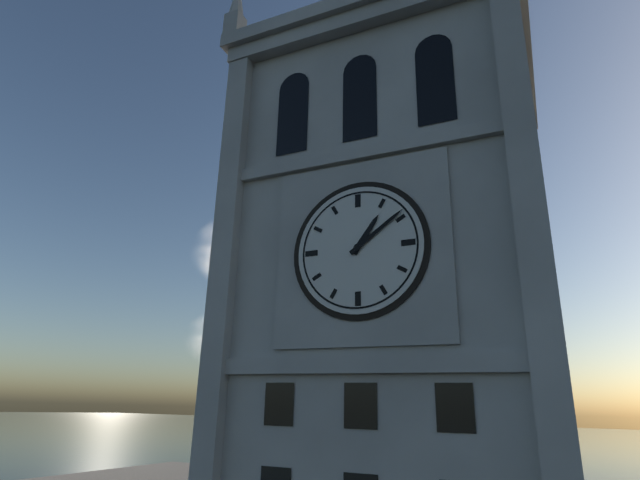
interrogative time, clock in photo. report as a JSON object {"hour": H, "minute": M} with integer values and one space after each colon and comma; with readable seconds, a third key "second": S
{"hour": 1, "minute": 9}
